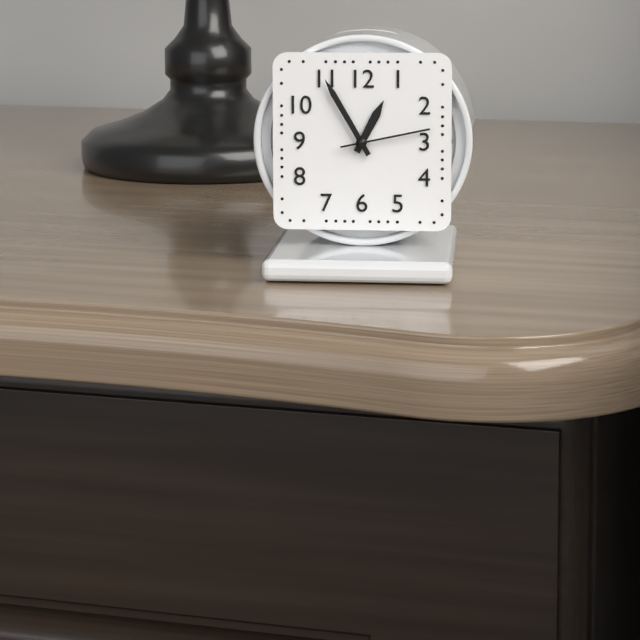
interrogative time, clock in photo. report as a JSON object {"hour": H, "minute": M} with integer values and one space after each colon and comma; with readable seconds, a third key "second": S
{"hour": 12, "minute": 55, "second": 13}
